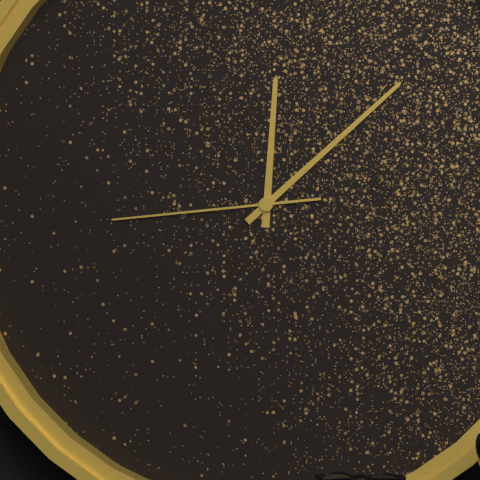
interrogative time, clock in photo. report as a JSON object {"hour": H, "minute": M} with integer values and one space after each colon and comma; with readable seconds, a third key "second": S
{"hour": 12, "minute": 8, "second": 44}
